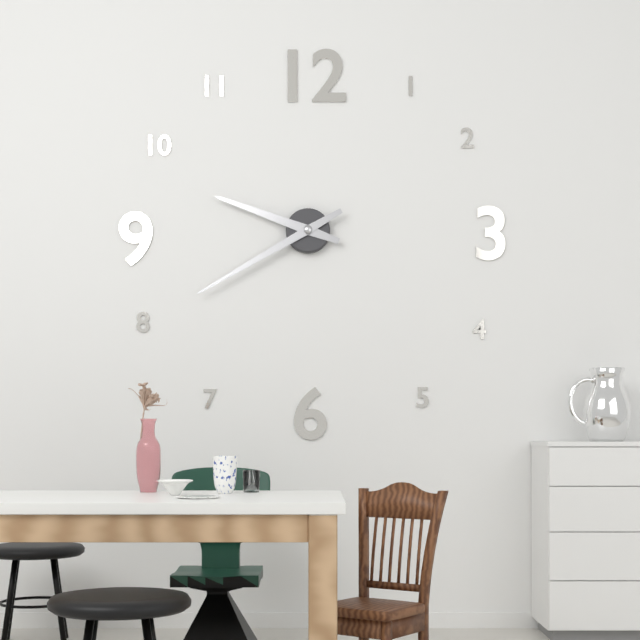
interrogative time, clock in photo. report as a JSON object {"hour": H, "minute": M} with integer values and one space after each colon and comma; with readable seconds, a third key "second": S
{"hour": 9, "minute": 40}
